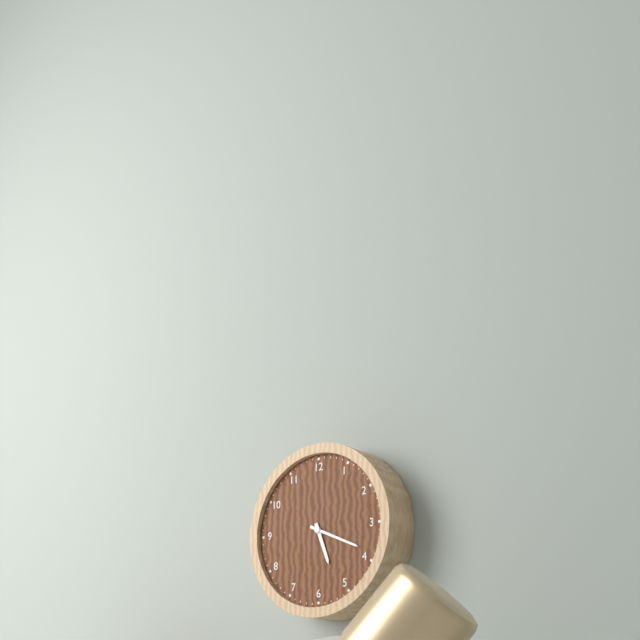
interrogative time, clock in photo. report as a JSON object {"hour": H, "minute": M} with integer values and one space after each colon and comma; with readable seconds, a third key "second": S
{"hour": 5, "minute": 19}
